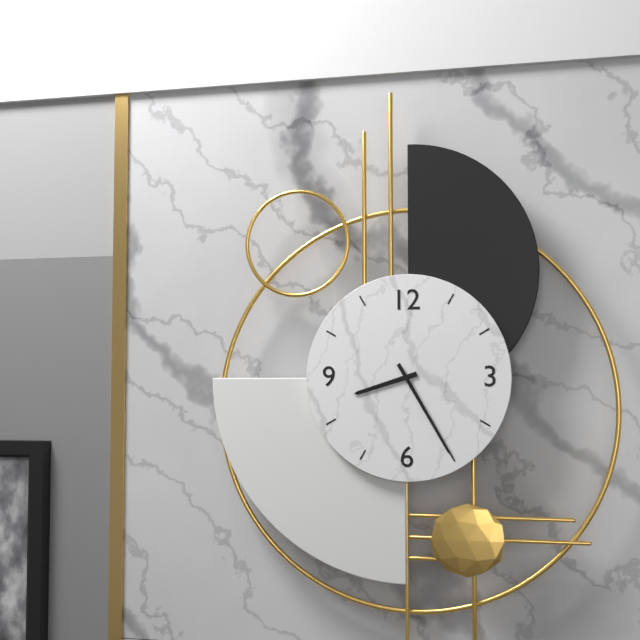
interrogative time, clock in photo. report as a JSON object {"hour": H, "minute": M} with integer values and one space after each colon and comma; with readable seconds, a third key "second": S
{"hour": 8, "minute": 25}
